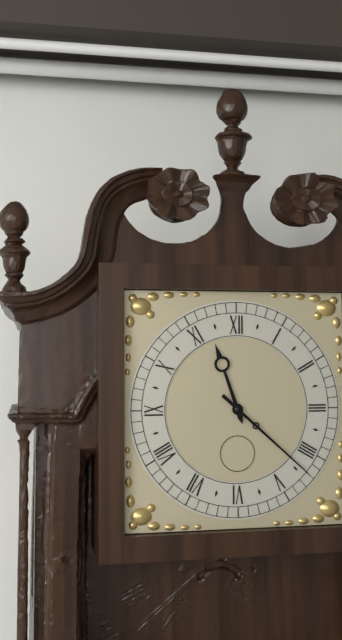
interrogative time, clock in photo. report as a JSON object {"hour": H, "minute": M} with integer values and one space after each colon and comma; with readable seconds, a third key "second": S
{"hour": 11, "minute": 22}
